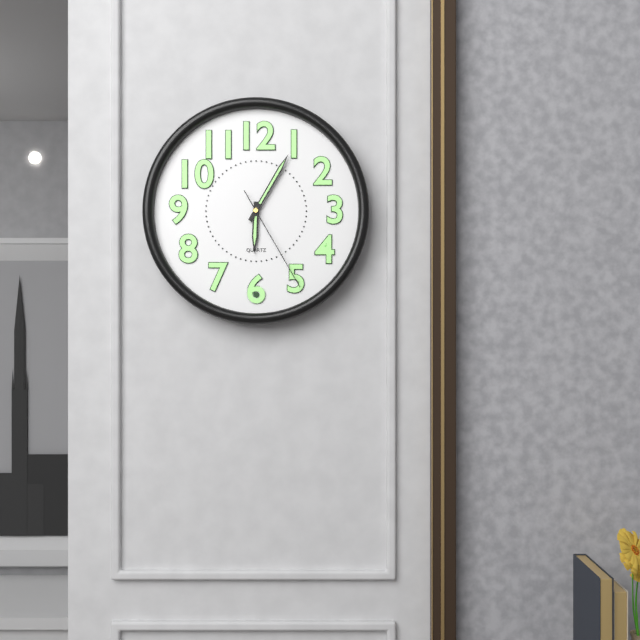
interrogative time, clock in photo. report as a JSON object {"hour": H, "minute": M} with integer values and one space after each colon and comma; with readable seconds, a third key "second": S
{"hour": 6, "minute": 5, "second": 25}
